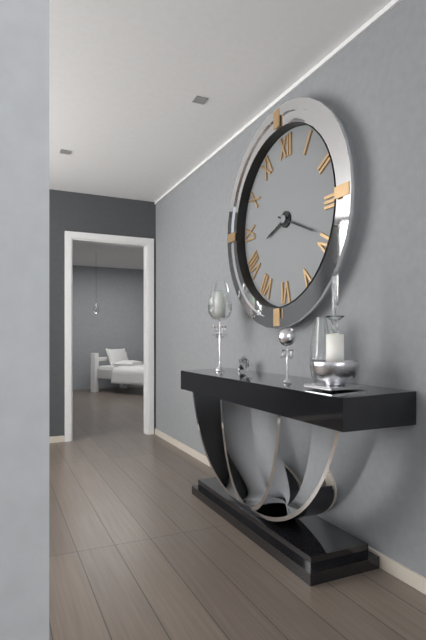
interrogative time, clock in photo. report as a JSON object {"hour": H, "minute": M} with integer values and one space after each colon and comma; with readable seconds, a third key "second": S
{"hour": 8, "minute": 19}
